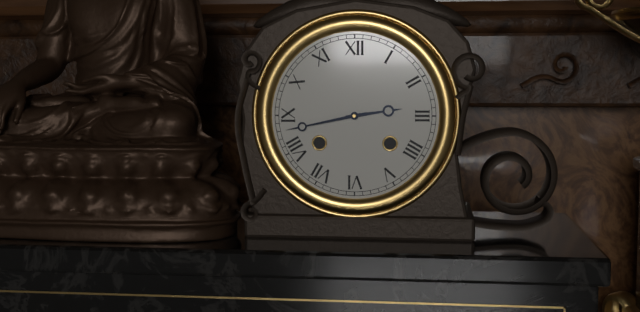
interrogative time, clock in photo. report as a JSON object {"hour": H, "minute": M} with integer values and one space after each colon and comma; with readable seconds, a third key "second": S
{"hour": 2, "minute": 43}
